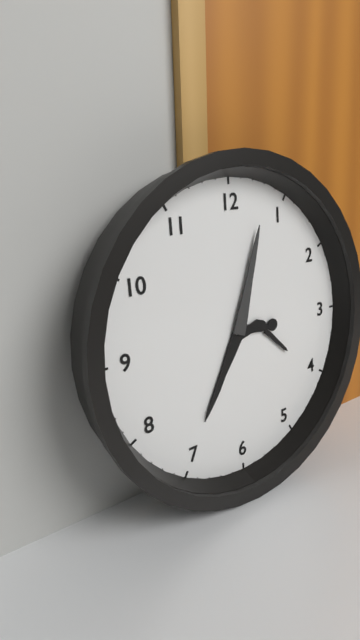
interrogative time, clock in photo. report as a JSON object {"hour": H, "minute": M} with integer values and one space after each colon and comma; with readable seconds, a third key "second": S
{"hour": 7, "minute": 3}
